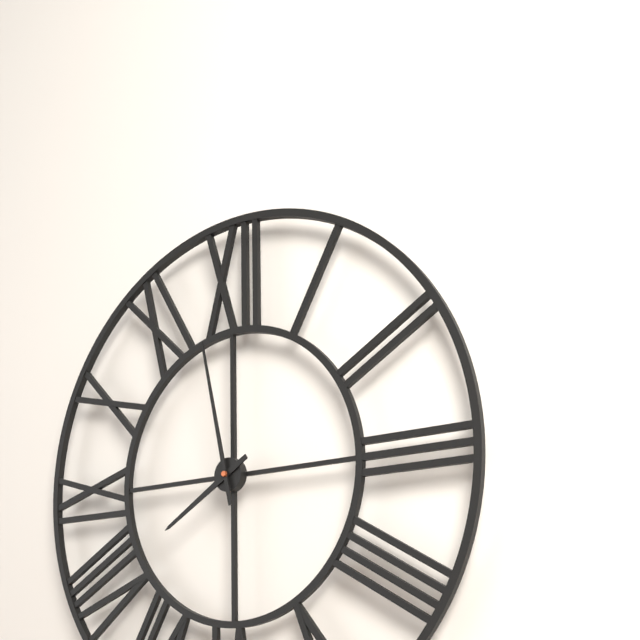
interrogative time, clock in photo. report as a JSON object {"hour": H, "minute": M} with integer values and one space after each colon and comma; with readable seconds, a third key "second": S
{"hour": 7, "minute": 58}
